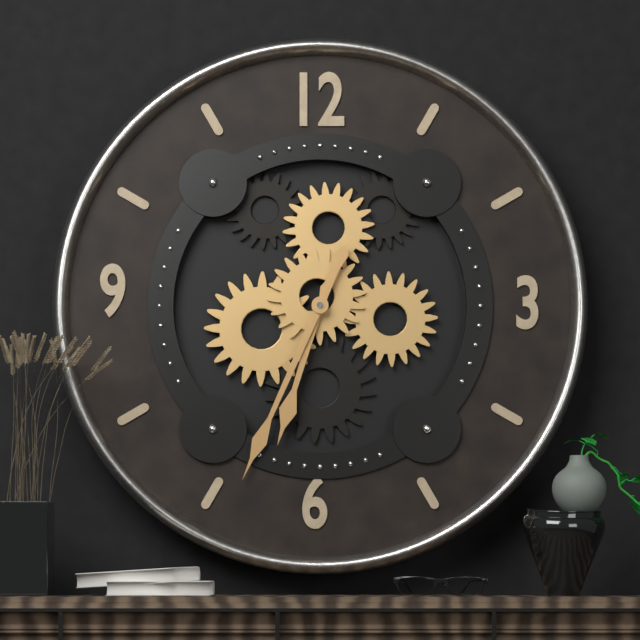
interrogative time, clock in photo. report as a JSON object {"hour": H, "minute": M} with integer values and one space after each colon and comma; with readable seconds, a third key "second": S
{"hour": 6, "minute": 34}
